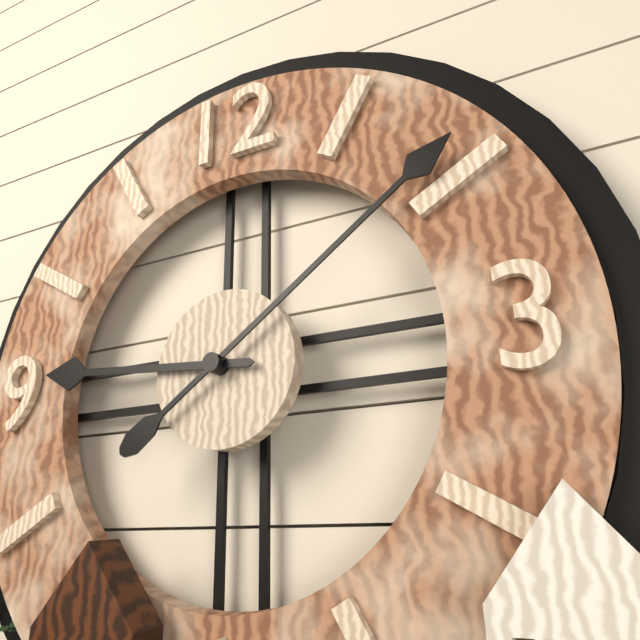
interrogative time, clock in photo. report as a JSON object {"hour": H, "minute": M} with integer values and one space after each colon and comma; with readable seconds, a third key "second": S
{"hour": 9, "minute": 9}
